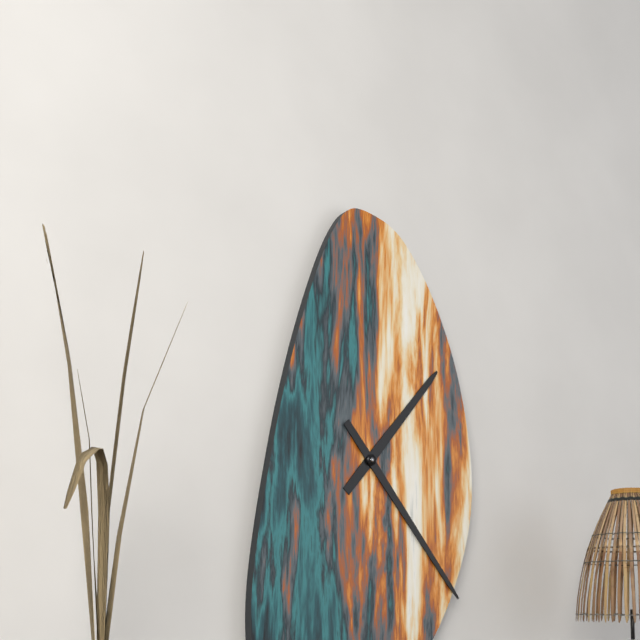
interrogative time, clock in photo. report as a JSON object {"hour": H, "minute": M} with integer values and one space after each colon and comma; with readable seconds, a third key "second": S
{"hour": 1, "minute": 23}
